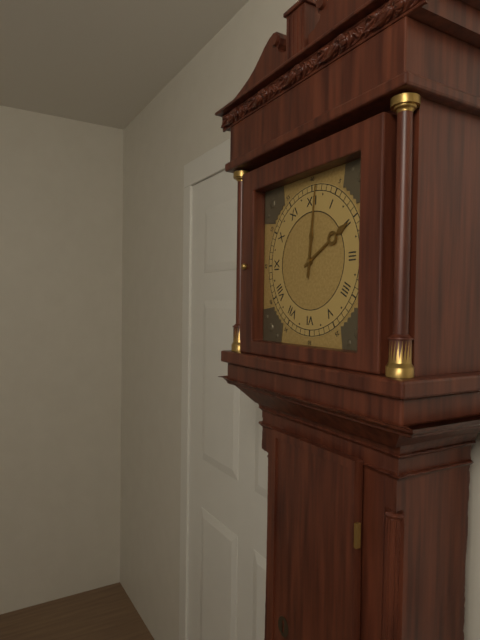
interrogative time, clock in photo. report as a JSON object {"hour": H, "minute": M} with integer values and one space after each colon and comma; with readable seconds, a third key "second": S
{"hour": 2, "minute": 1}
